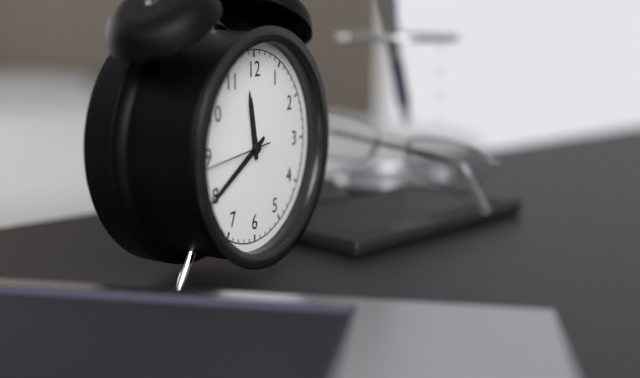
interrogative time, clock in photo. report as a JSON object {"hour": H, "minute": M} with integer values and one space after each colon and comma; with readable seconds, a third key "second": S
{"hour": 11, "minute": 40, "second": 44}
